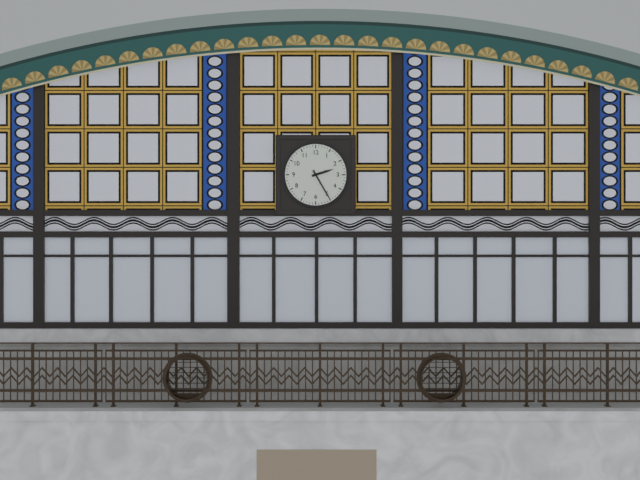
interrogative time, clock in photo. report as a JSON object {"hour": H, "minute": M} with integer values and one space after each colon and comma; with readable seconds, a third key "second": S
{"hour": 2, "minute": 25}
